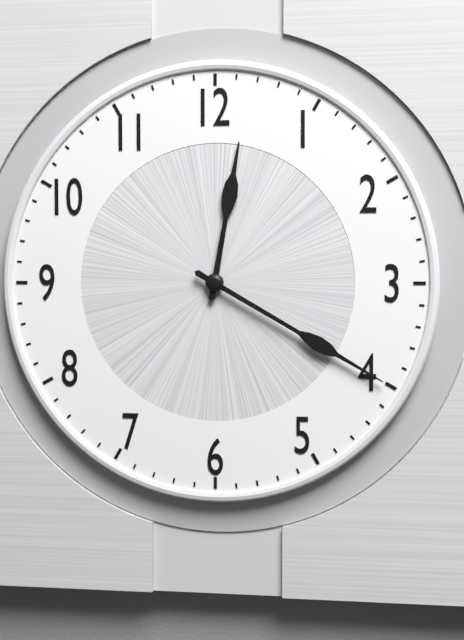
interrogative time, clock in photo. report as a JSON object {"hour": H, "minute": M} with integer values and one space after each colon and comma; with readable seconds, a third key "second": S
{"hour": 12, "minute": 20}
